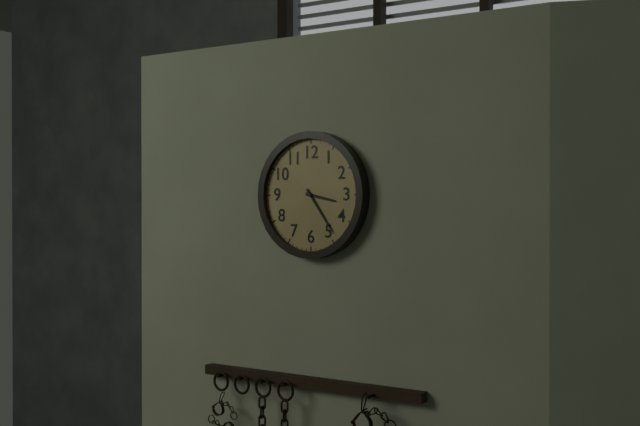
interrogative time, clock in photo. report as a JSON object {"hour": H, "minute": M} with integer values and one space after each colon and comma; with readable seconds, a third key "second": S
{"hour": 3, "minute": 24}
